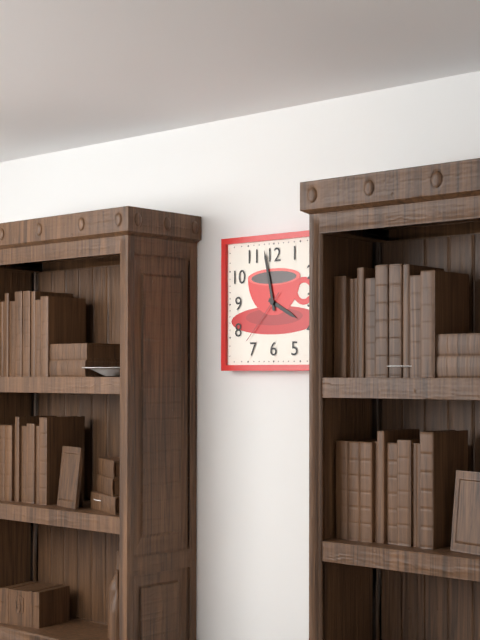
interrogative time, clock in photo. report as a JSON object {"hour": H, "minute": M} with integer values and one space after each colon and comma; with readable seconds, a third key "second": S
{"hour": 3, "minute": 58, "second": 37}
